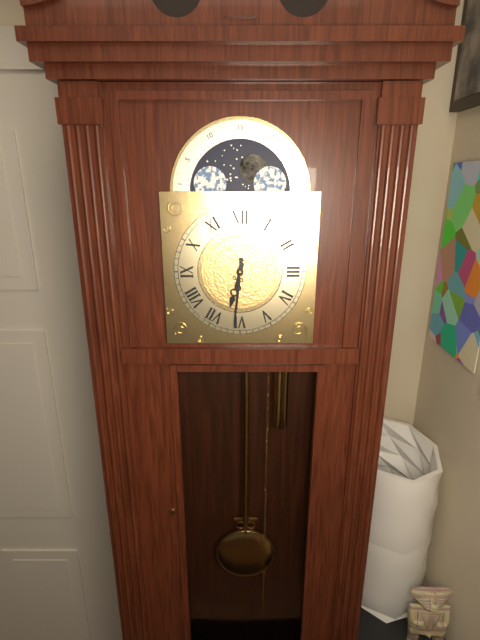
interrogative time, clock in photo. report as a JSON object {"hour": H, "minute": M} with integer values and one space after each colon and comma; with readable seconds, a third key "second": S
{"hour": 6, "minute": 31}
